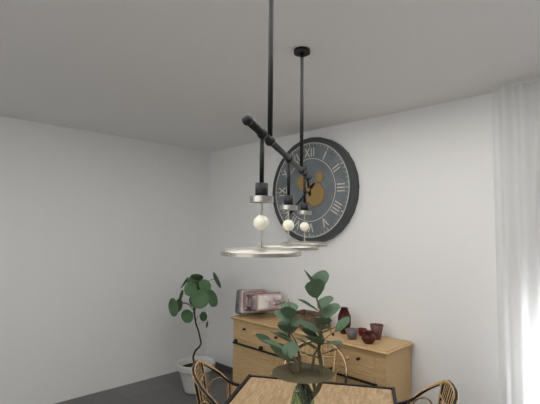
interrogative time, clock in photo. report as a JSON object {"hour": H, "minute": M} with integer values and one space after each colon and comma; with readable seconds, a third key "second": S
{"hour": 11, "minute": 38}
